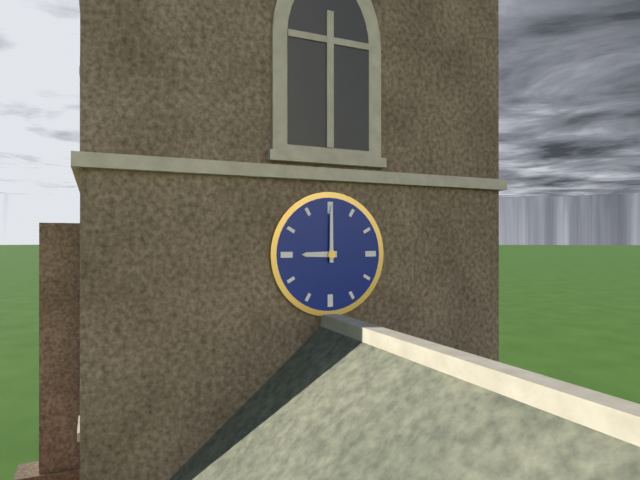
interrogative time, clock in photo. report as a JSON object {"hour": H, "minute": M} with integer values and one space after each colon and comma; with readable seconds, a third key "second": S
{"hour": 9, "minute": 0}
